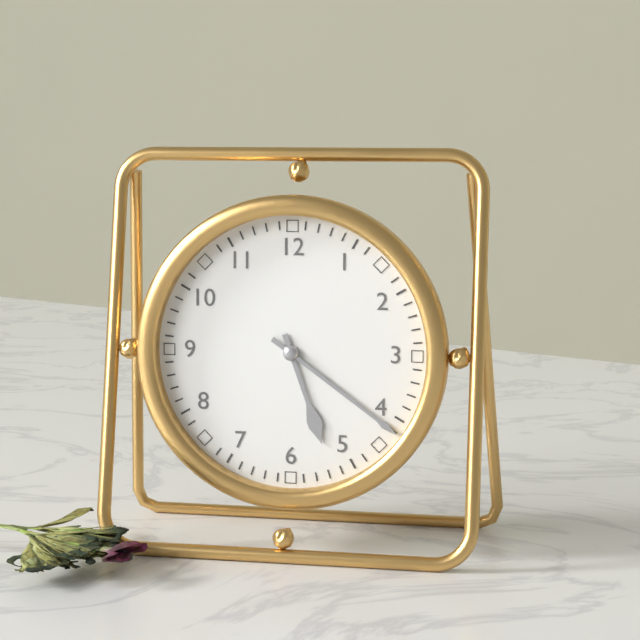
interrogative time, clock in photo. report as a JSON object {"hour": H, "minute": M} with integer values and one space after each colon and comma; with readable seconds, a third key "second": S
{"hour": 5, "minute": 21}
